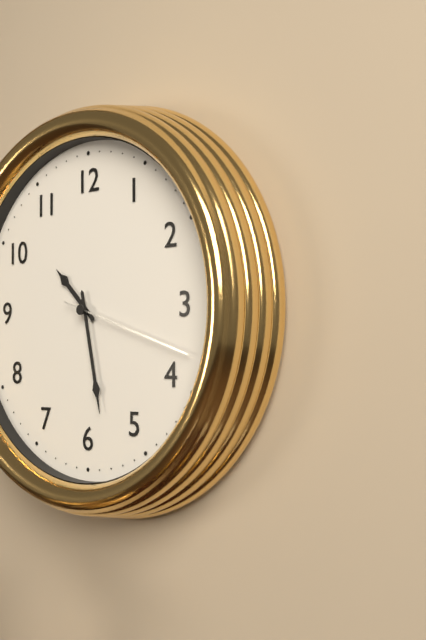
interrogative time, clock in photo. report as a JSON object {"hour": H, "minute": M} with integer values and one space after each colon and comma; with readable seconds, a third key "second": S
{"hour": 10, "minute": 28, "second": 18}
